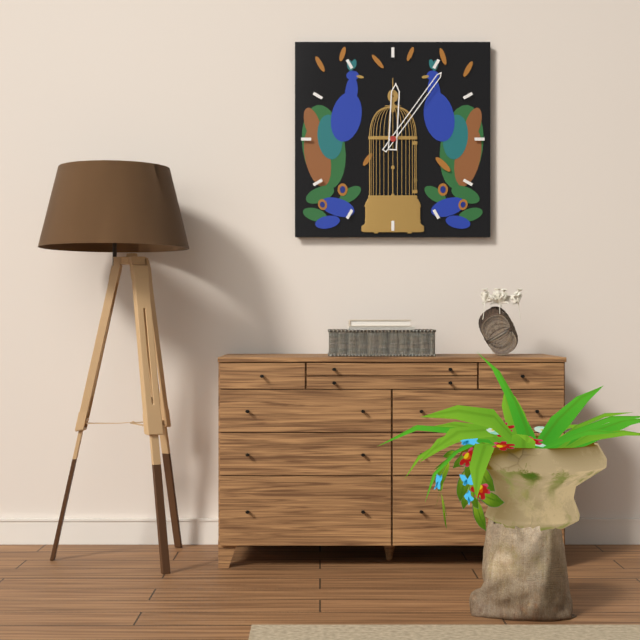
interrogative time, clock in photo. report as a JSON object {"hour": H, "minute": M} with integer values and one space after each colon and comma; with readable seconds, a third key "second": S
{"hour": 12, "minute": 6}
